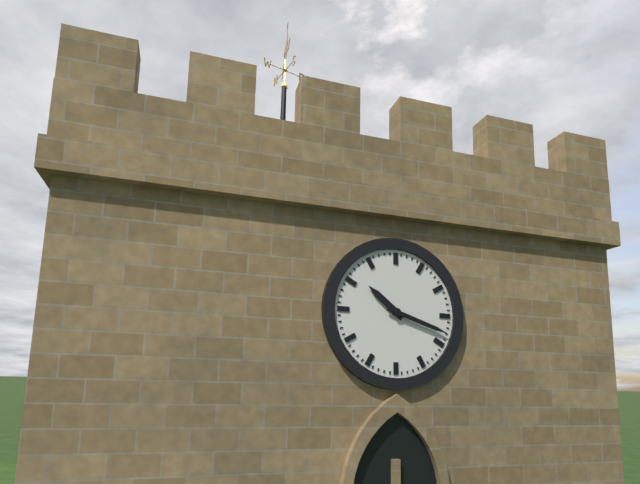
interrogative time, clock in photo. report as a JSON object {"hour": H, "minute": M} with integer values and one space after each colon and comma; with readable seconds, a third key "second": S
{"hour": 10, "minute": 18}
